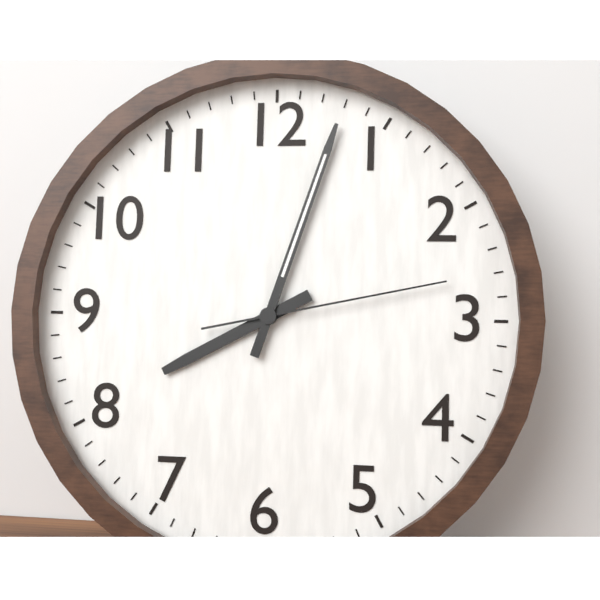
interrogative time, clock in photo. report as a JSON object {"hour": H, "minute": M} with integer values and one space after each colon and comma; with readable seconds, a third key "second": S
{"hour": 8, "minute": 3, "second": 13}
